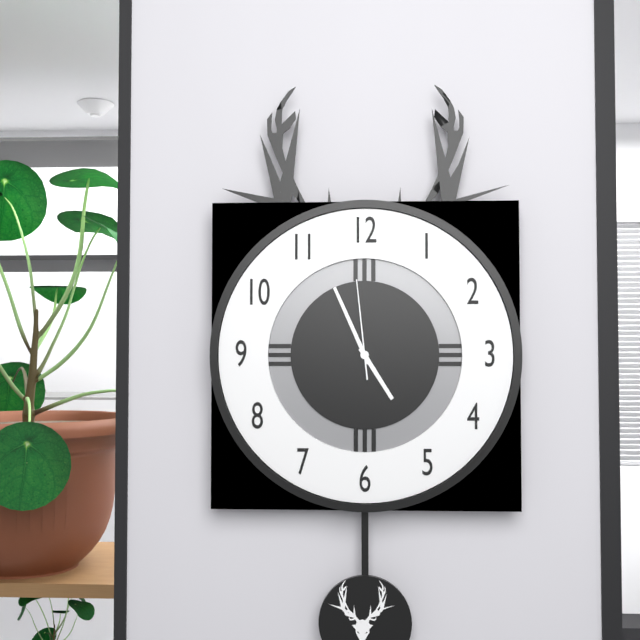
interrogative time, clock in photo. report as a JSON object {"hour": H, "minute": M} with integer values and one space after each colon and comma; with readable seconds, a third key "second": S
{"hour": 4, "minute": 56, "second": 59}
